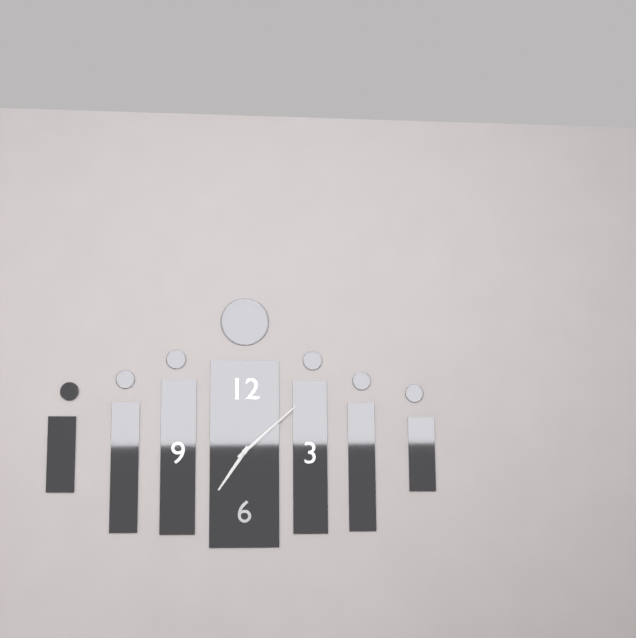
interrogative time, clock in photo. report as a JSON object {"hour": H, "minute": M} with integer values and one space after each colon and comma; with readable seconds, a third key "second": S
{"hour": 7, "minute": 8}
